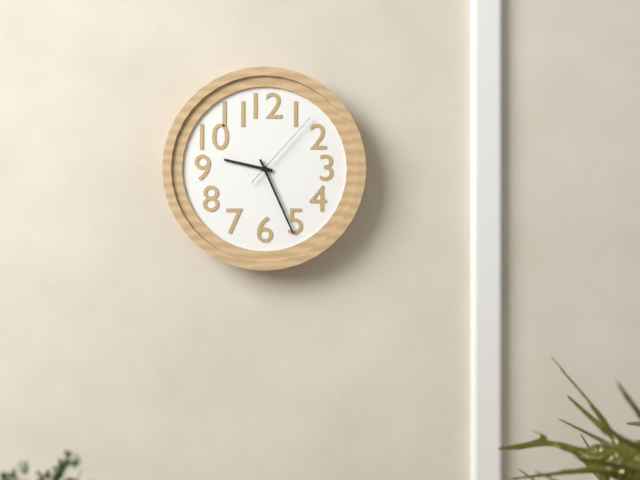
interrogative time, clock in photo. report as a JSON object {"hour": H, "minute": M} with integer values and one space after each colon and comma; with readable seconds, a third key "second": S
{"hour": 9, "minute": 26, "second": 7}
